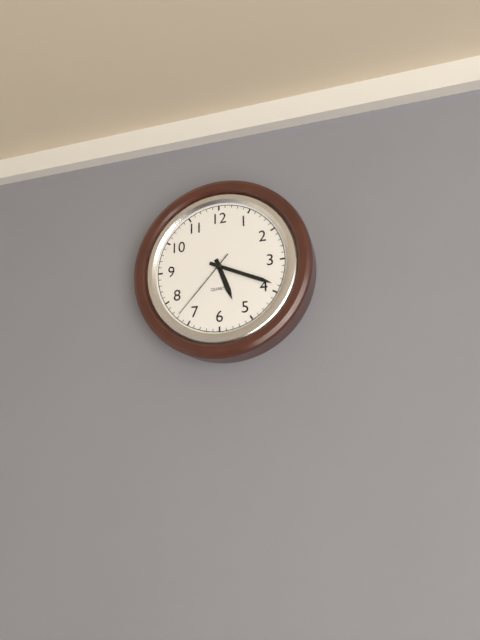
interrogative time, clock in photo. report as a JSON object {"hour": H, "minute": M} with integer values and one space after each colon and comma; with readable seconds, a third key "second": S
{"hour": 5, "minute": 19, "second": 37}
